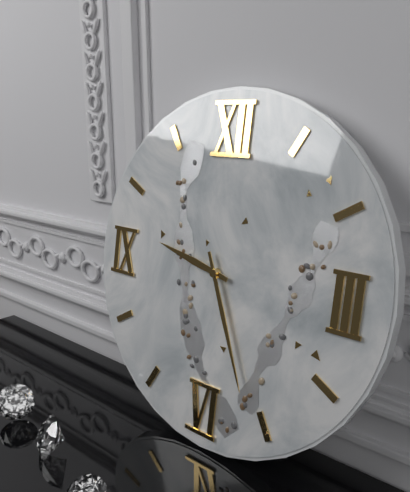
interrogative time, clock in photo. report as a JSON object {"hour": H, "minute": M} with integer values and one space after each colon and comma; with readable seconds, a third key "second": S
{"hour": 9, "minute": 26}
